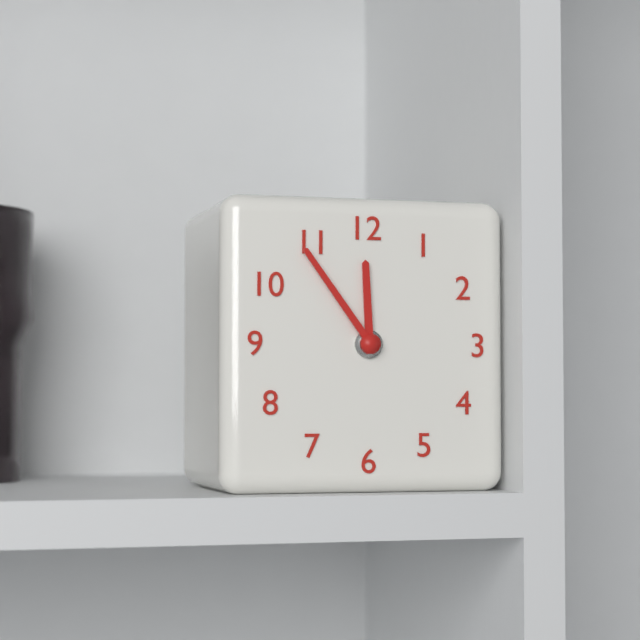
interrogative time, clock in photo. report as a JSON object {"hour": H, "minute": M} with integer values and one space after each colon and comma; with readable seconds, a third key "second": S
{"hour": 11, "minute": 54}
